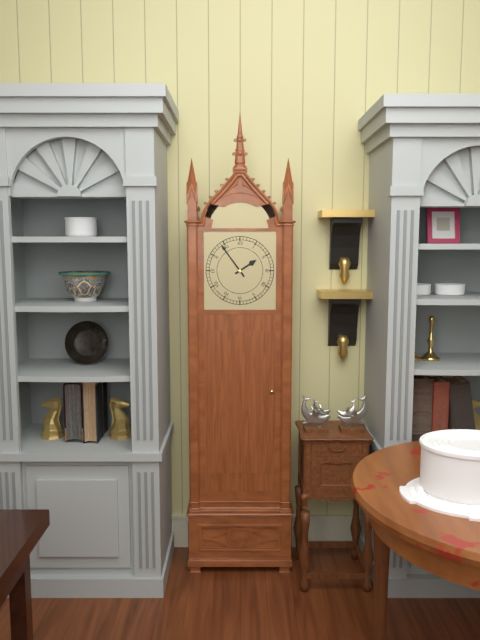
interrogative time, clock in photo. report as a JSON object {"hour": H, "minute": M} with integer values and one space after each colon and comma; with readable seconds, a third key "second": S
{"hour": 1, "minute": 54}
